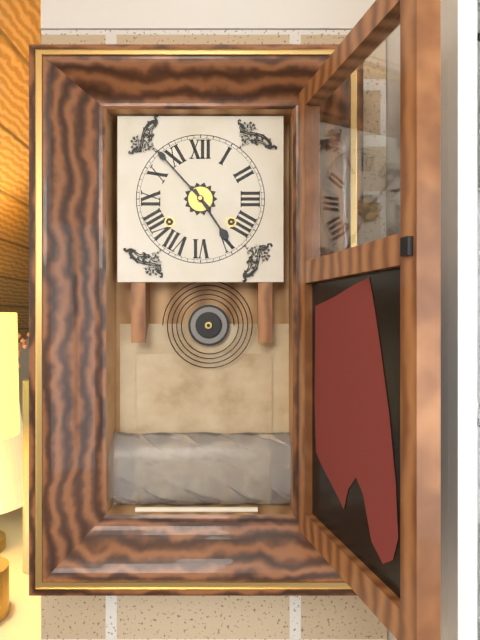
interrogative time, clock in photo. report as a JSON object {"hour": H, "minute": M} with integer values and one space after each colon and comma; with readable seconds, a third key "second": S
{"hour": 4, "minute": 53}
